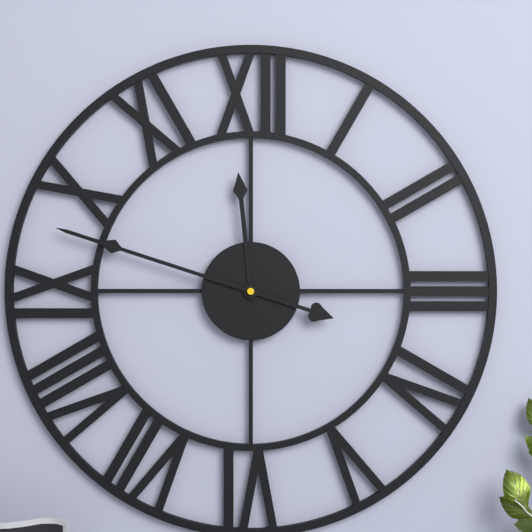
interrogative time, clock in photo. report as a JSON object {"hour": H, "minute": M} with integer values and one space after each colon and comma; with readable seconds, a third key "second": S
{"hour": 11, "minute": 48}
